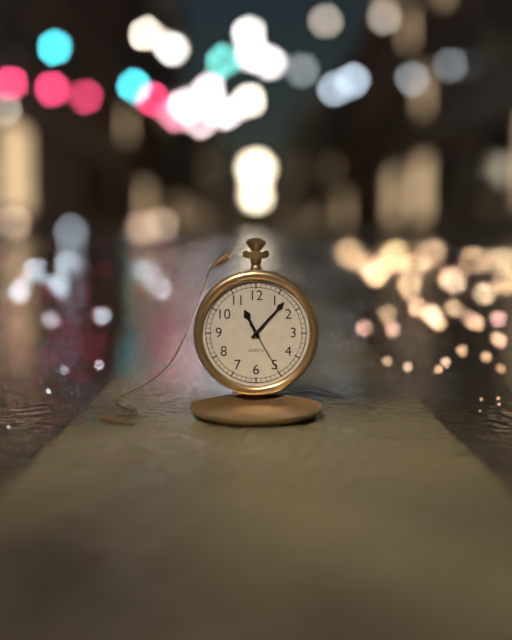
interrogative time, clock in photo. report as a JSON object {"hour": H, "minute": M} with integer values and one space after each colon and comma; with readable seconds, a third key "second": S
{"hour": 11, "minute": 7, "second": 25}
